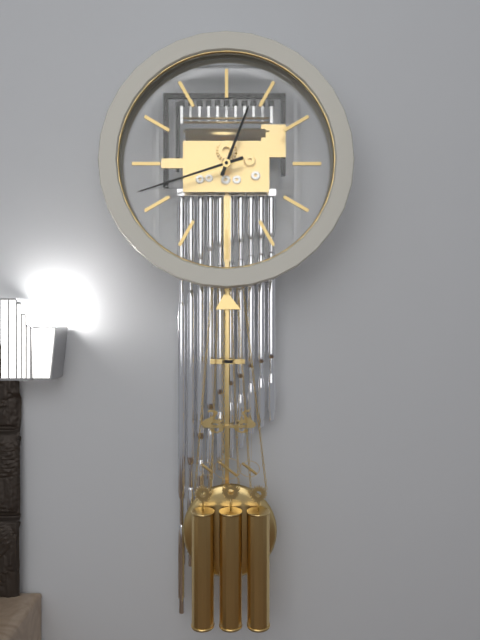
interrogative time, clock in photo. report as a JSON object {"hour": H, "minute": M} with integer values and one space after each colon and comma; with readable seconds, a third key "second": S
{"hour": 12, "minute": 42}
